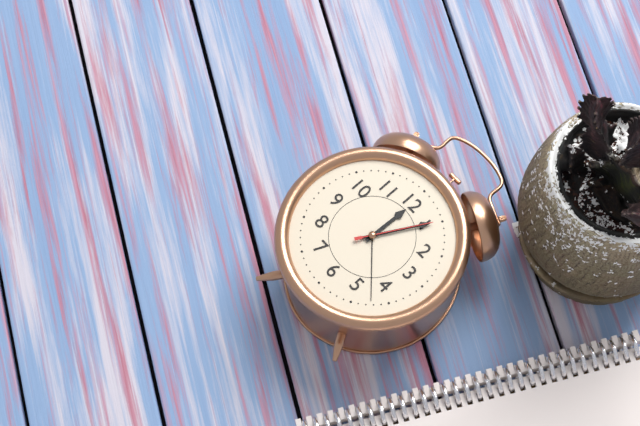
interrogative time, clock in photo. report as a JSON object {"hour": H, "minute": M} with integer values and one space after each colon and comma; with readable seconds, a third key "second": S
{"hour": 12, "minute": 5, "second": 5}
